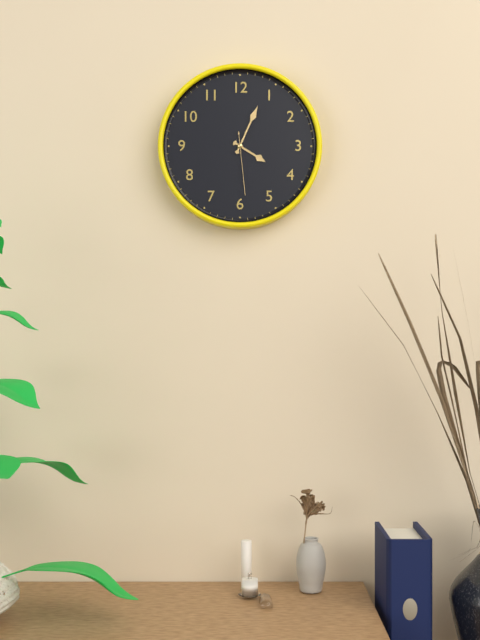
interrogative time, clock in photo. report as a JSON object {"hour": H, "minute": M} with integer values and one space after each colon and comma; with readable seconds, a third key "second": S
{"hour": 4, "minute": 4, "second": 29}
